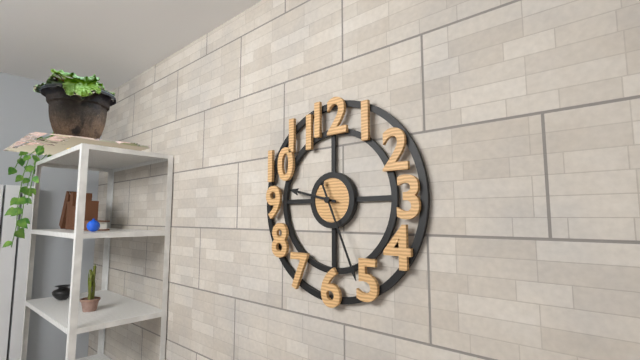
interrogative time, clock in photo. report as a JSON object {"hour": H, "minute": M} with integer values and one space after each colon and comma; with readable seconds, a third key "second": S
{"hour": 9, "minute": 26}
